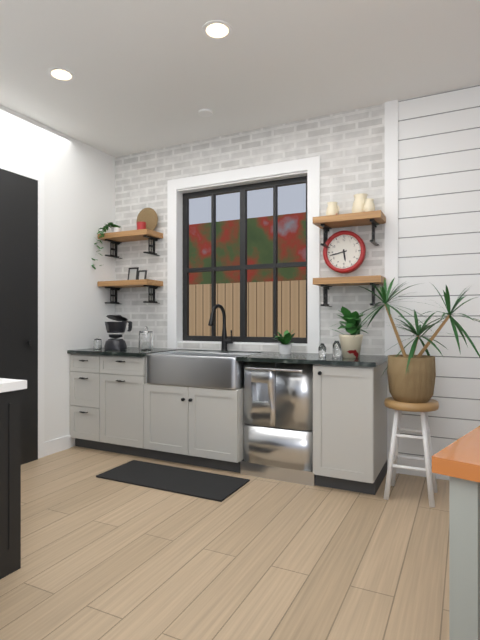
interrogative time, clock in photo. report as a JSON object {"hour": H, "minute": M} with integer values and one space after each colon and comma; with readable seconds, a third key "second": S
{"hour": 5, "minute": 43}
